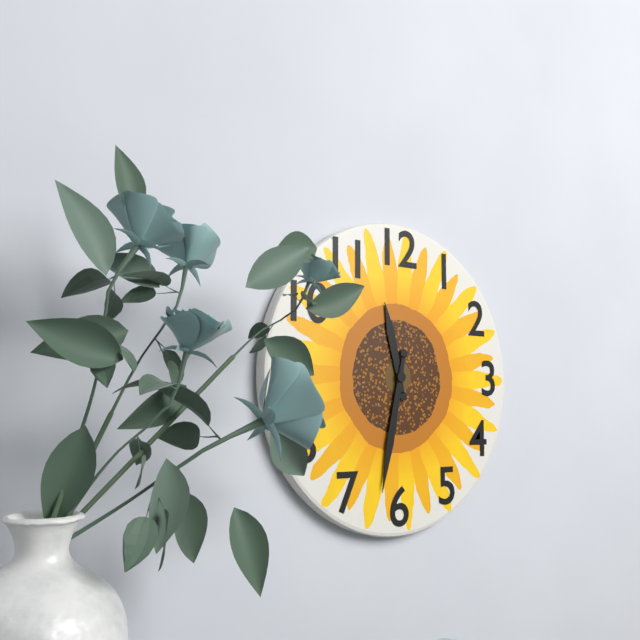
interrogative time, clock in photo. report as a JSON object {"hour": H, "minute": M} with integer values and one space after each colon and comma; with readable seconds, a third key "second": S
{"hour": 11, "minute": 32}
